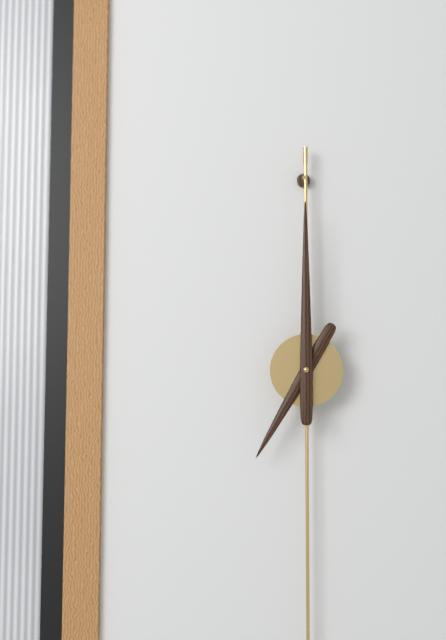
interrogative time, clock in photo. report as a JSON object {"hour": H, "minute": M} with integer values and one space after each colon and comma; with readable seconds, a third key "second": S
{"hour": 7, "minute": 0}
